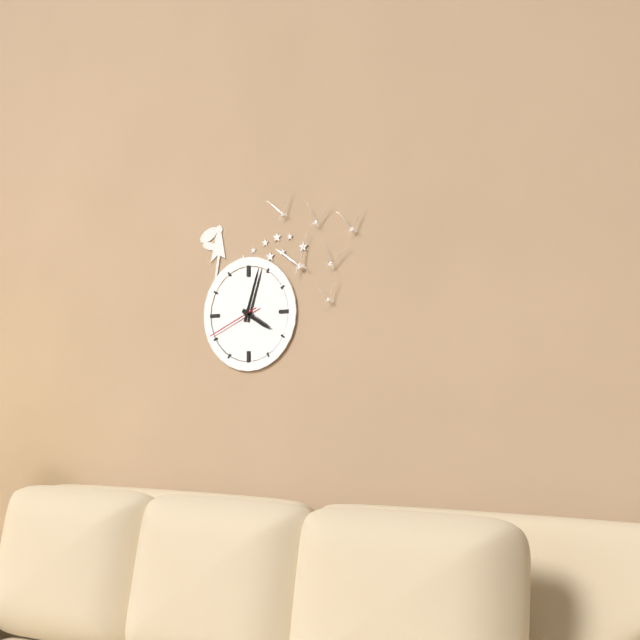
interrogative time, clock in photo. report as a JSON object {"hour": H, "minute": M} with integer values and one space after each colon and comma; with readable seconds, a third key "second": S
{"hour": 4, "minute": 3, "second": 41}
